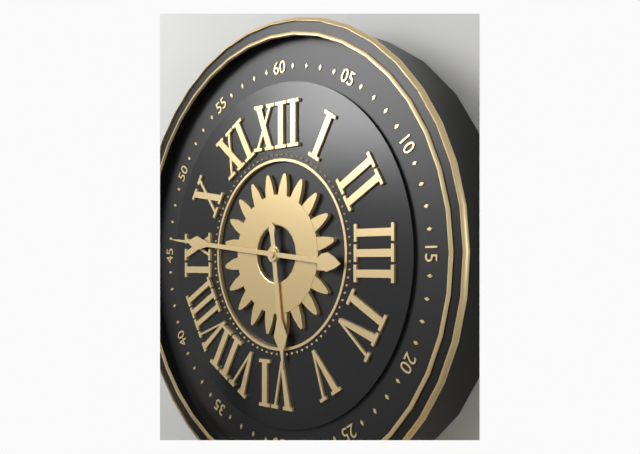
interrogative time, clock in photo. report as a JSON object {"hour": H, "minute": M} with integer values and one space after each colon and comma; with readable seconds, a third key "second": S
{"hour": 5, "minute": 46}
